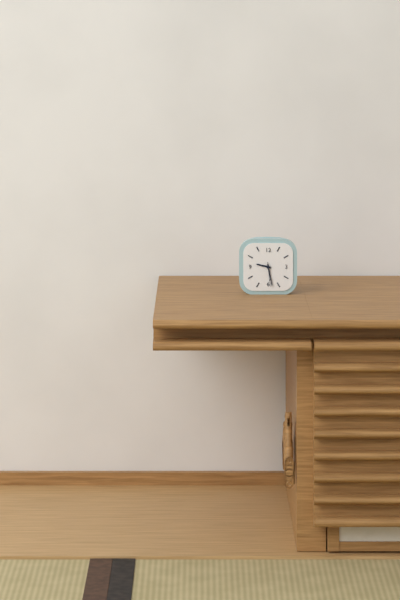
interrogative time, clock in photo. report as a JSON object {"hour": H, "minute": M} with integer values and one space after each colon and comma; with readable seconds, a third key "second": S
{"hour": 9, "minute": 28}
